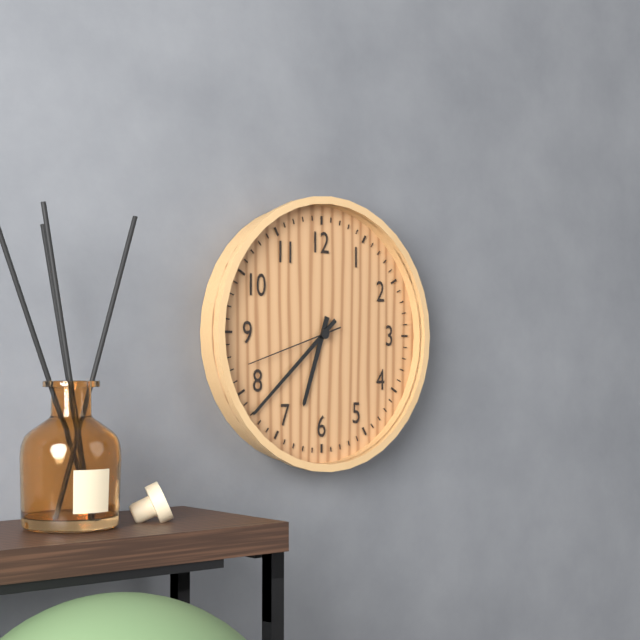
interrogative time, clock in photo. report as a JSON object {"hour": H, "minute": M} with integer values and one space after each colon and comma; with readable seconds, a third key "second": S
{"hour": 6, "minute": 38, "second": 42}
